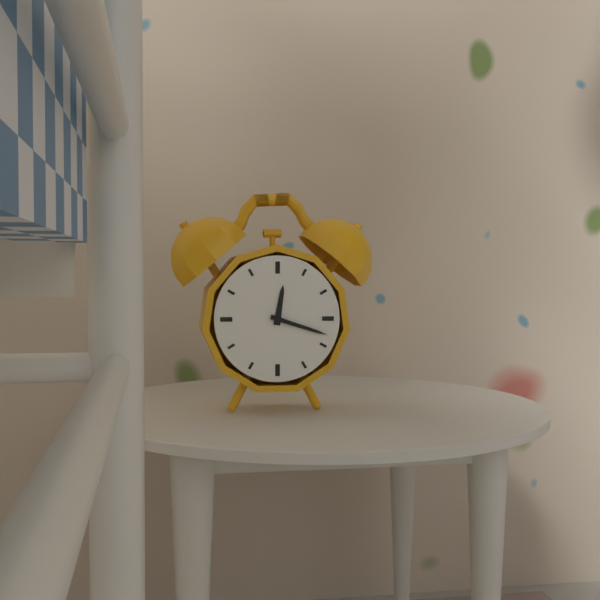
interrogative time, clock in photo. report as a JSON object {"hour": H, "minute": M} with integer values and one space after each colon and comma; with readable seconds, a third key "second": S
{"hour": 12, "minute": 18}
